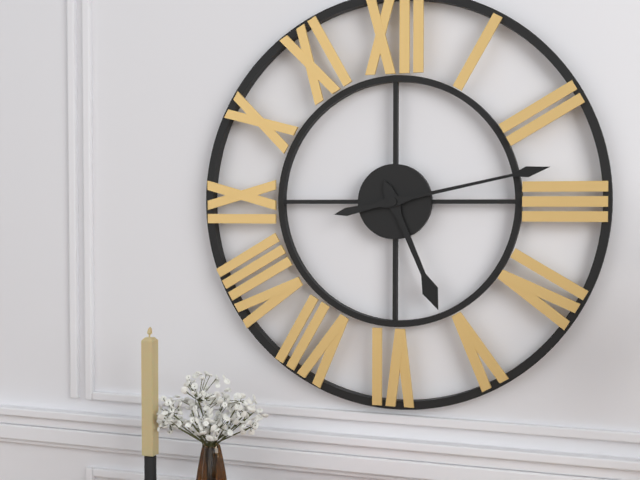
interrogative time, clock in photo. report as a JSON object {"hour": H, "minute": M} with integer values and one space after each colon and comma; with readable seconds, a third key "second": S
{"hour": 5, "minute": 13}
